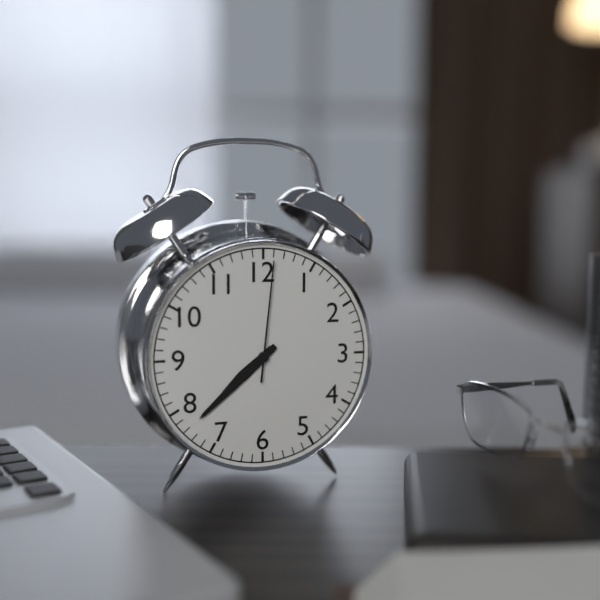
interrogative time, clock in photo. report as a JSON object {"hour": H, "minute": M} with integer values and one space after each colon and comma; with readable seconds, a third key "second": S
{"hour": 7, "minute": 38, "second": 1}
